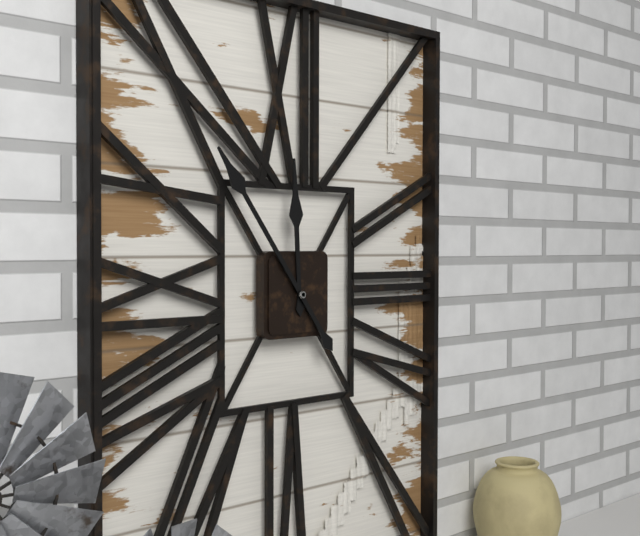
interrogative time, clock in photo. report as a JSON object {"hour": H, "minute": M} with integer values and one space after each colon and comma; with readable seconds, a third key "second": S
{"hour": 11, "minute": 54}
